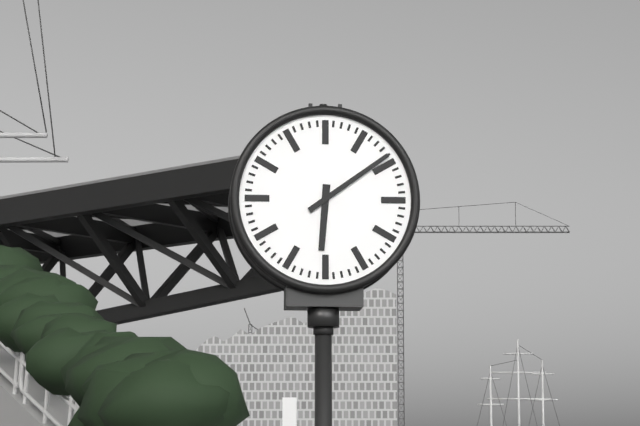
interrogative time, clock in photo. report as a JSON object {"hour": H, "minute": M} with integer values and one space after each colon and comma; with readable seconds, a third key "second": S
{"hour": 6, "minute": 9}
